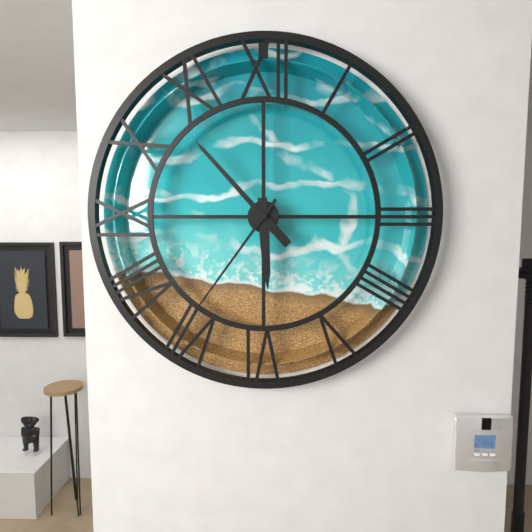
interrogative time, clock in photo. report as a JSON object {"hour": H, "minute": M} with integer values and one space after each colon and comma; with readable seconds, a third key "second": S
{"hour": 5, "minute": 53, "second": 36}
